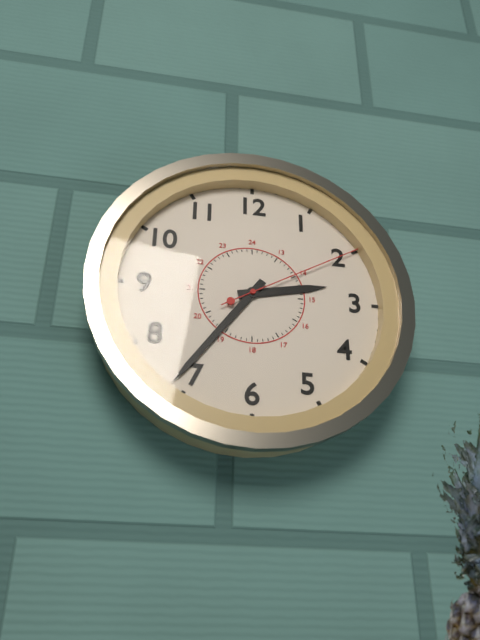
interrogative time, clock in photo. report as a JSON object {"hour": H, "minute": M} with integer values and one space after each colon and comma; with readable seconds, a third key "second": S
{"hour": 2, "minute": 36, "second": 10}
